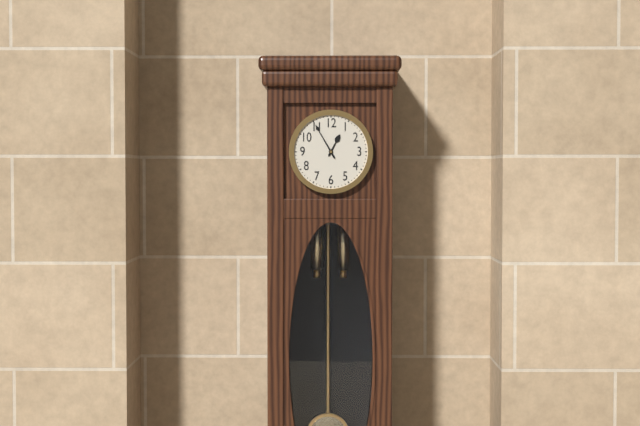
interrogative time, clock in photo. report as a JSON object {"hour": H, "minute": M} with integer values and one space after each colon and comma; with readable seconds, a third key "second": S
{"hour": 12, "minute": 55}
